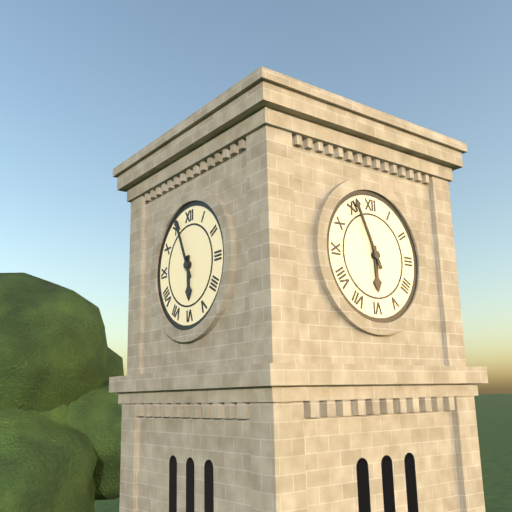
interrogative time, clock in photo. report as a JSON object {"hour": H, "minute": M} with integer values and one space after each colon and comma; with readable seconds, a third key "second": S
{"hour": 5, "minute": 56}
